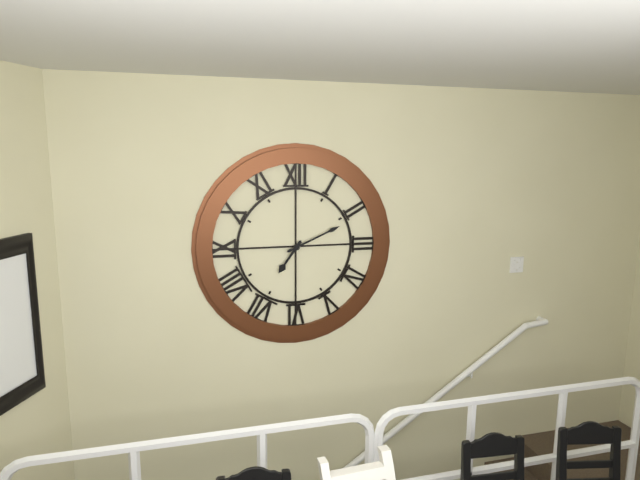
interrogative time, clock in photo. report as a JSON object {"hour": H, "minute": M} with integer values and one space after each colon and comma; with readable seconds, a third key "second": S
{"hour": 7, "minute": 11}
